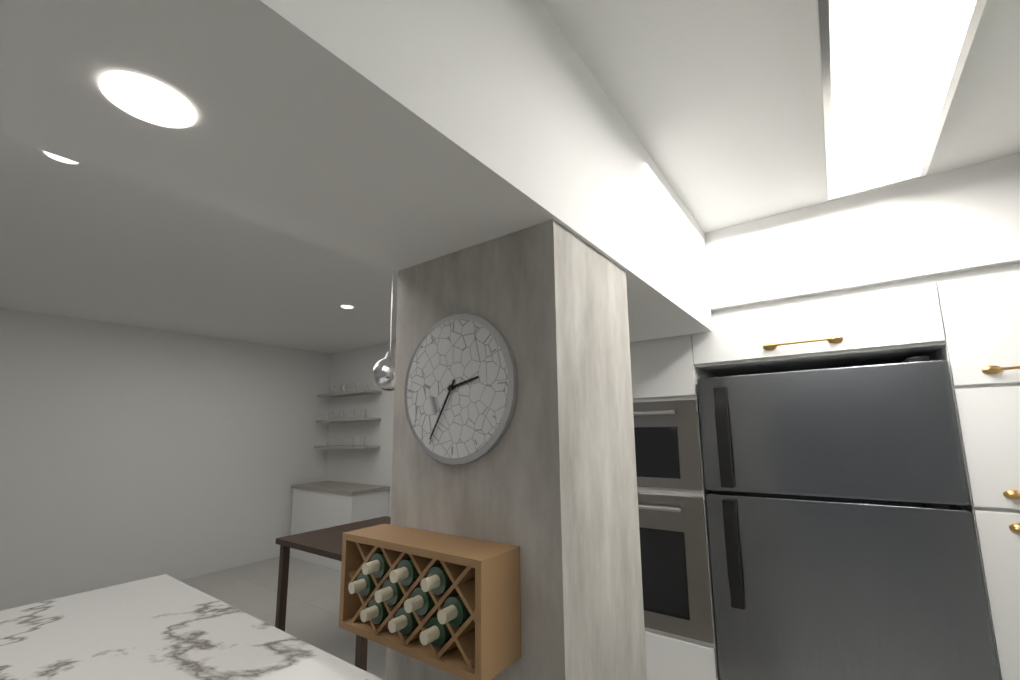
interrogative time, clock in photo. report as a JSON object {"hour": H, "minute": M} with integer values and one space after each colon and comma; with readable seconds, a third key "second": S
{"hour": 2, "minute": 35}
